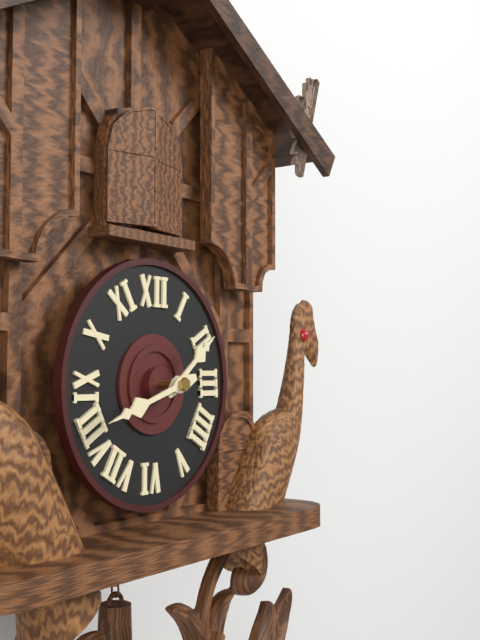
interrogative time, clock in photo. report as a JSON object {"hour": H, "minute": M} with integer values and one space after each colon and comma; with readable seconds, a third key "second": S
{"hour": 1, "minute": 42}
